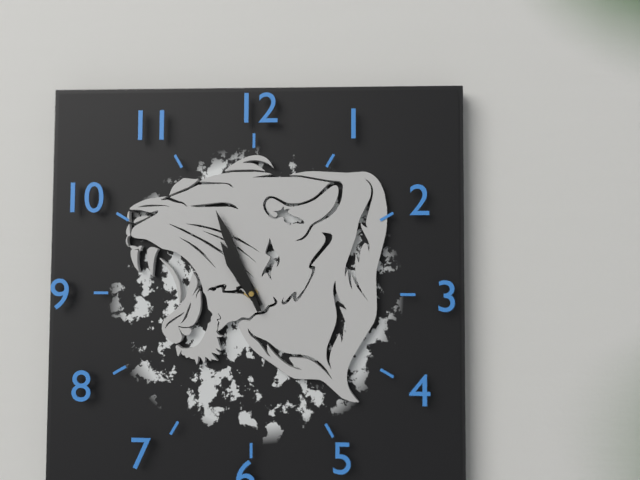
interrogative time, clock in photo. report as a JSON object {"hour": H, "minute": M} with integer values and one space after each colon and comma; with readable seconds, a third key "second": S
{"hour": 10, "minute": 56}
